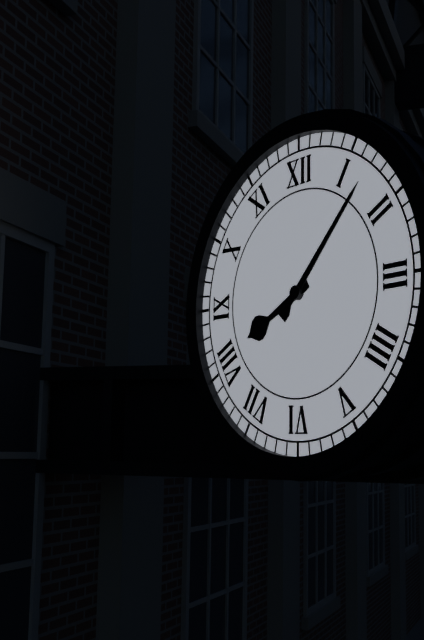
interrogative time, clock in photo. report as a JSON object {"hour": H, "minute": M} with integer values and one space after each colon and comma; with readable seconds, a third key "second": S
{"hour": 8, "minute": 7}
